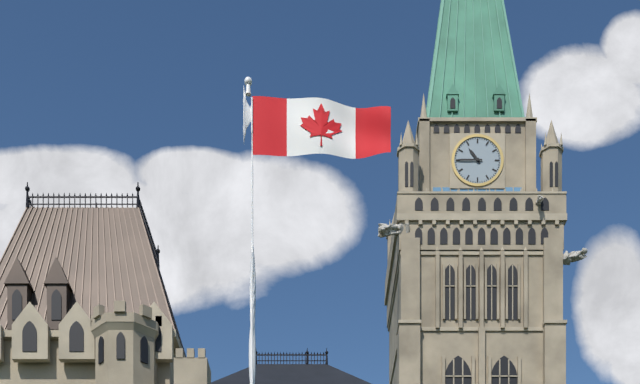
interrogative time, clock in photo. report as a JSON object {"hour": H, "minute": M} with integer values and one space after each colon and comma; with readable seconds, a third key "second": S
{"hour": 10, "minute": 45}
